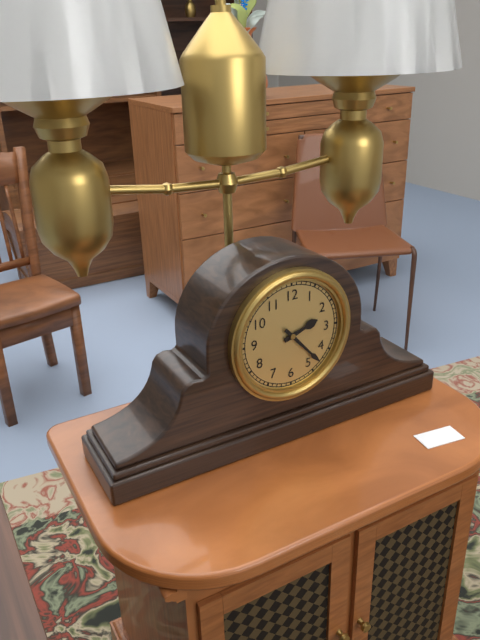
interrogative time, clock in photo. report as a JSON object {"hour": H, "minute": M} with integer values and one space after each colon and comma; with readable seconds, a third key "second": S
{"hour": 2, "minute": 23}
